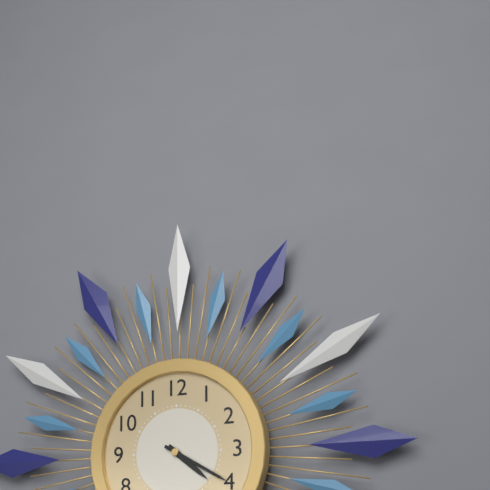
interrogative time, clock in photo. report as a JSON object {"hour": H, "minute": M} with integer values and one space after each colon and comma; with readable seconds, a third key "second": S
{"hour": 4, "minute": 20}
